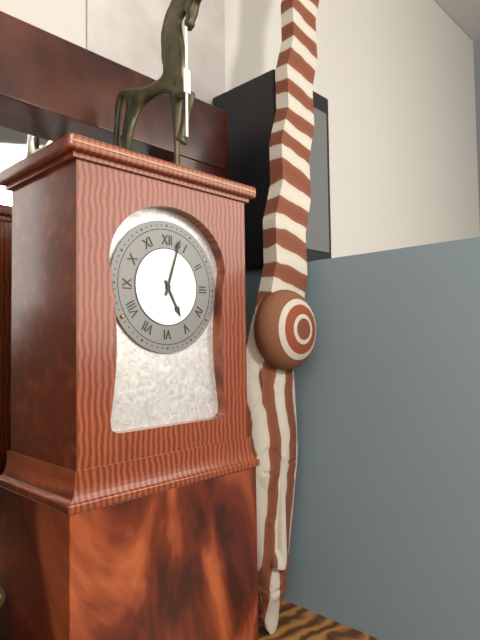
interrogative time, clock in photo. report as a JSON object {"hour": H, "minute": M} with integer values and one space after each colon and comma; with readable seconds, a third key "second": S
{"hour": 5, "minute": 3}
